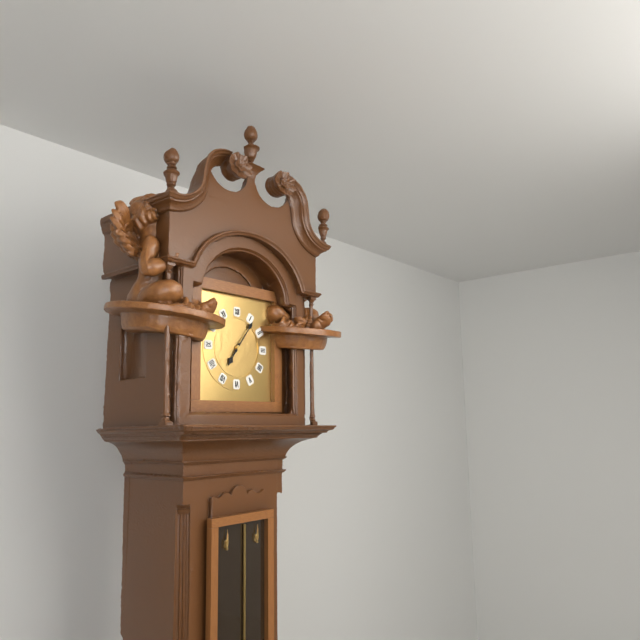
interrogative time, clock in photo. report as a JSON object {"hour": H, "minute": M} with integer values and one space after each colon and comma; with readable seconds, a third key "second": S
{"hour": 7, "minute": 6}
